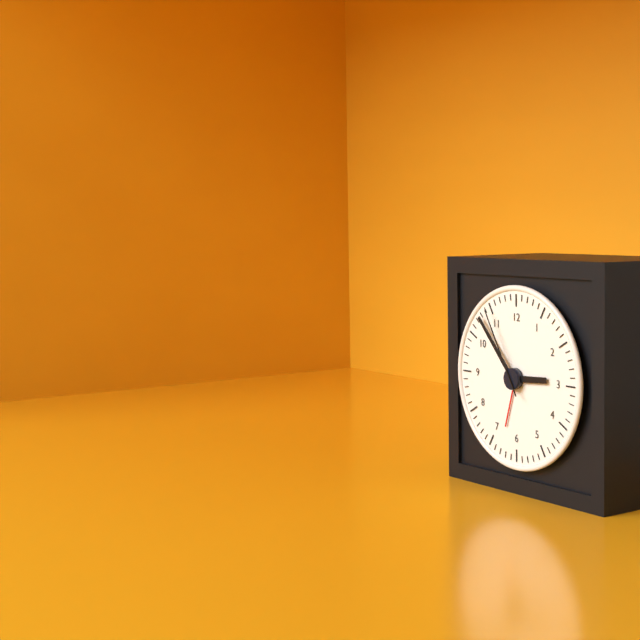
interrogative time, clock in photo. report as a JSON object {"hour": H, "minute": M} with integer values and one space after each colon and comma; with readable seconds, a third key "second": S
{"hour": 2, "minute": 53, "second": 55}
